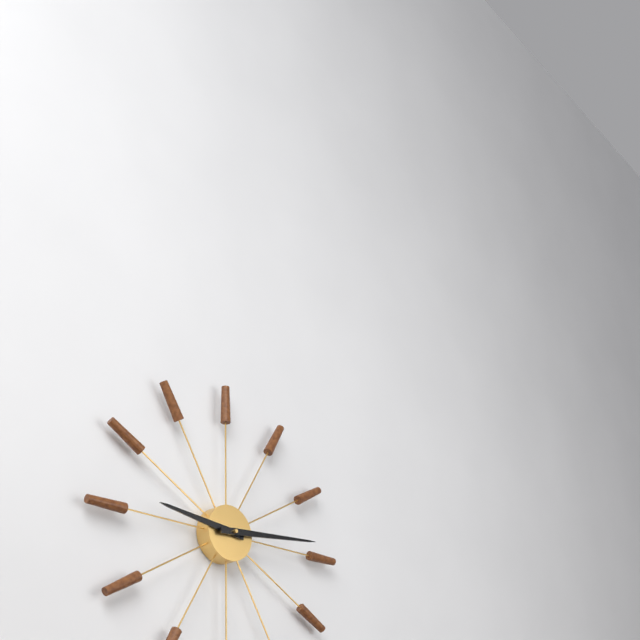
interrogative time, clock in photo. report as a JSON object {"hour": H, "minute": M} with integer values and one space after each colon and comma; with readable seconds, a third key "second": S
{"hour": 9, "minute": 14}
